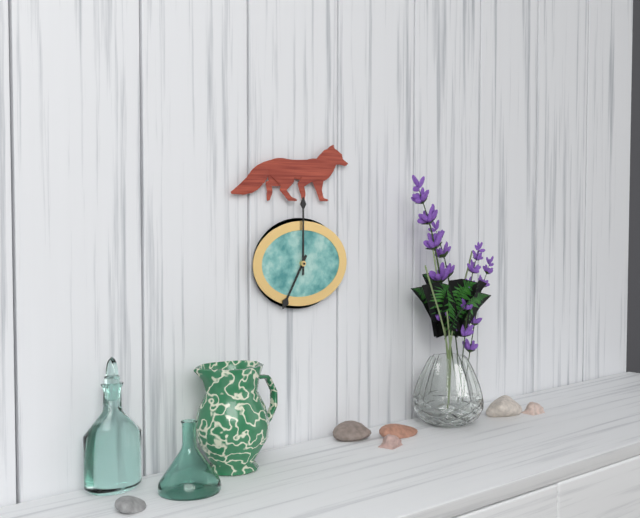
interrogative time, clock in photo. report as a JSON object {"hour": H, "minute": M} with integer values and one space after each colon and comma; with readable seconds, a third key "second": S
{"hour": 7, "minute": 0}
